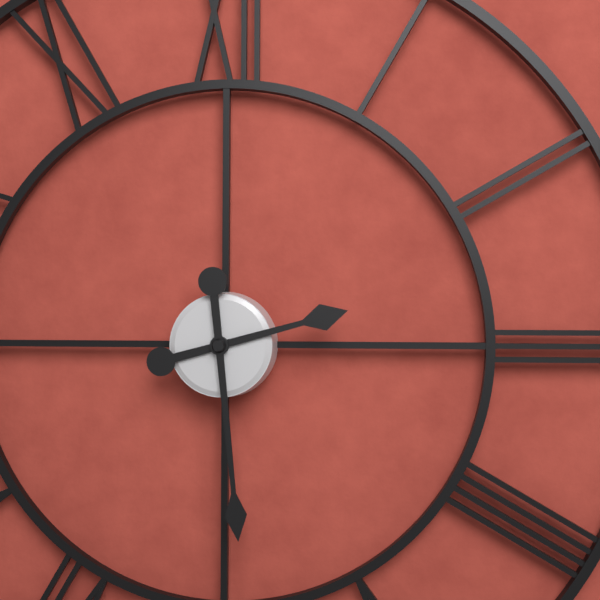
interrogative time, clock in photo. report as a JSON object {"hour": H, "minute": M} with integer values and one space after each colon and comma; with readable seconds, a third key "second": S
{"hour": 2, "minute": 29}
